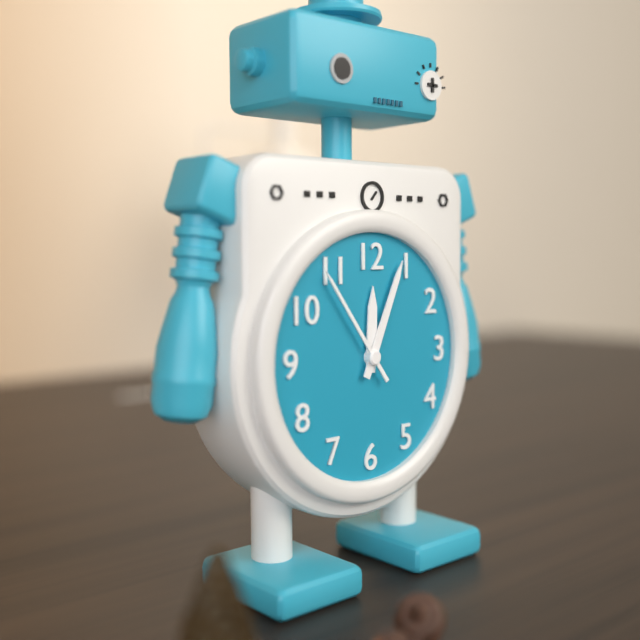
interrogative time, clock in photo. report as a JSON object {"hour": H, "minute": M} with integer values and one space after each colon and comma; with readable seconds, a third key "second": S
{"hour": 12, "minute": 4, "second": 54}
